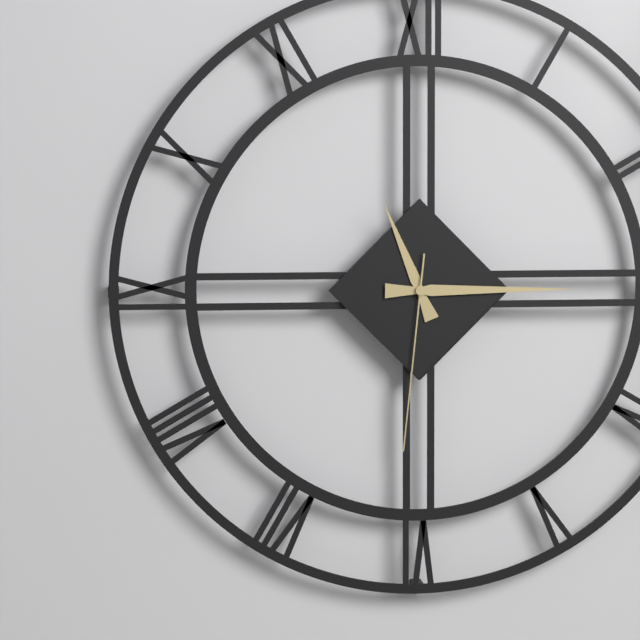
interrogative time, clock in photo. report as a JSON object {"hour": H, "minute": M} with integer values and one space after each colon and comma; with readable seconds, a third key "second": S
{"hour": 11, "minute": 15, "second": 31}
